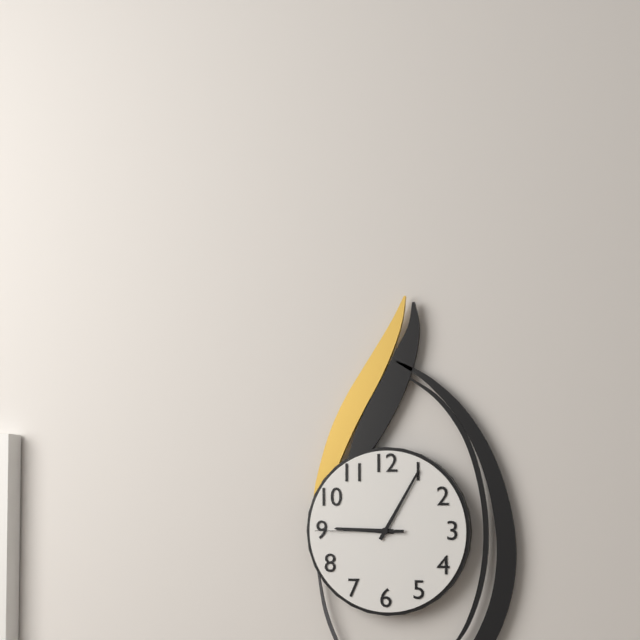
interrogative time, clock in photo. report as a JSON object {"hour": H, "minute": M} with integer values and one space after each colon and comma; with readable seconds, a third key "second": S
{"hour": 9, "minute": 5, "second": 45}
